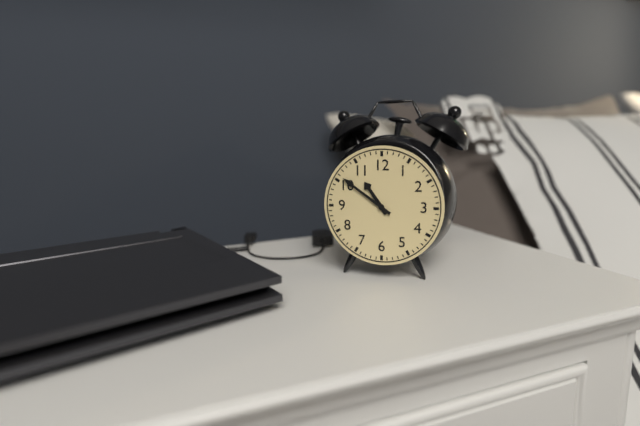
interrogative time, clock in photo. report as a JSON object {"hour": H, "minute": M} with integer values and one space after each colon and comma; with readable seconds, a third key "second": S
{"hour": 10, "minute": 51}
